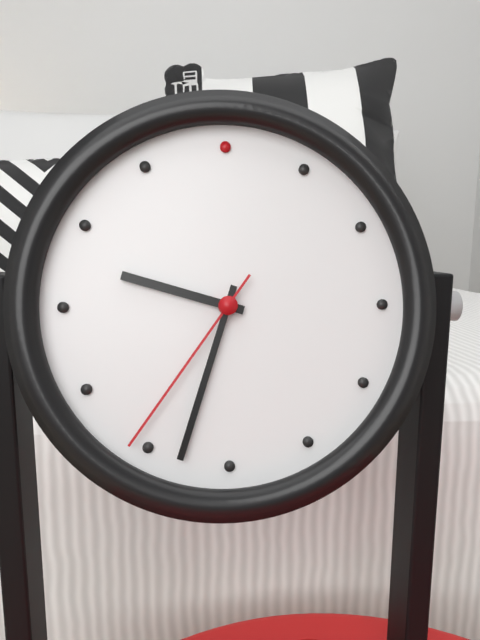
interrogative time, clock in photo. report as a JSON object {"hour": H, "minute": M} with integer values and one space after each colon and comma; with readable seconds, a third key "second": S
{"hour": 9, "minute": 33, "second": 36}
